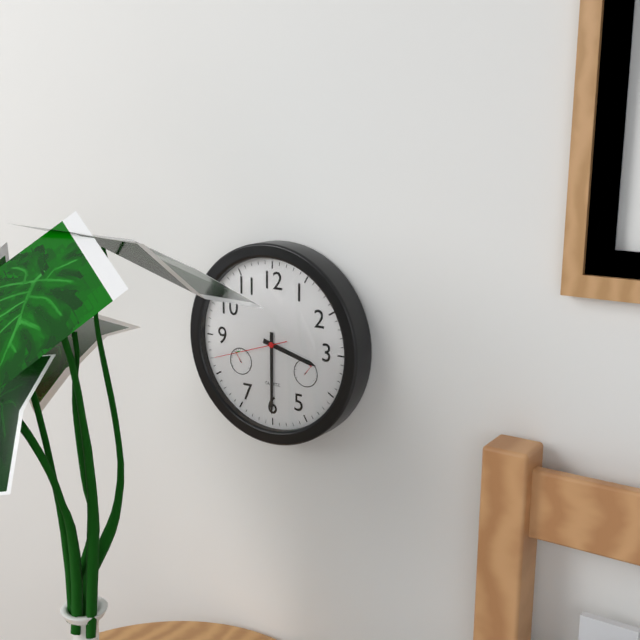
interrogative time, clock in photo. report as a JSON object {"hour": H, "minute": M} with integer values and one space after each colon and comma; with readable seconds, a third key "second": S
{"hour": 3, "minute": 30, "second": 42}
